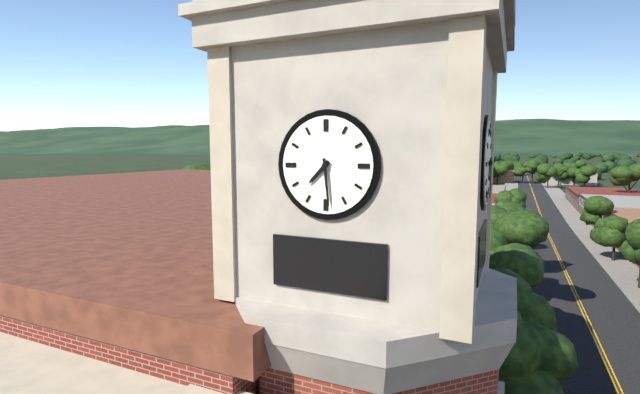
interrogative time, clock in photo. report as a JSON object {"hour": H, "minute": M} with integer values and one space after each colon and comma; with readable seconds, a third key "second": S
{"hour": 7, "minute": 29}
